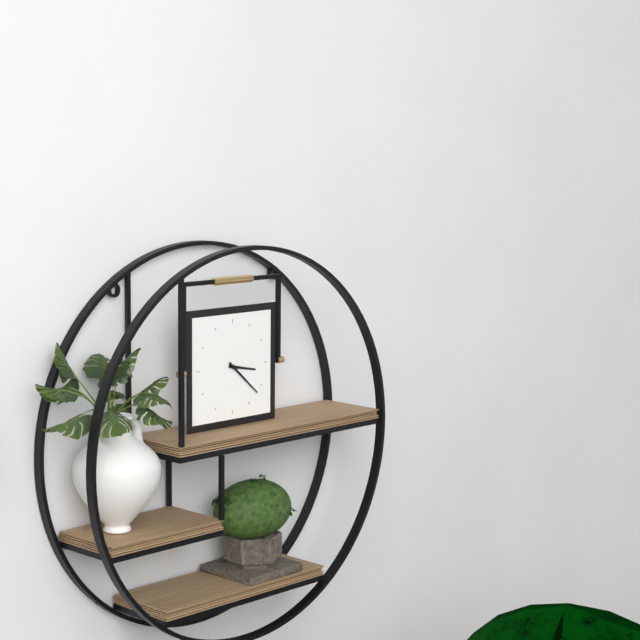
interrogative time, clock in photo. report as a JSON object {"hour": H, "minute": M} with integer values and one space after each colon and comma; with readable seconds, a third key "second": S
{"hour": 3, "minute": 22}
